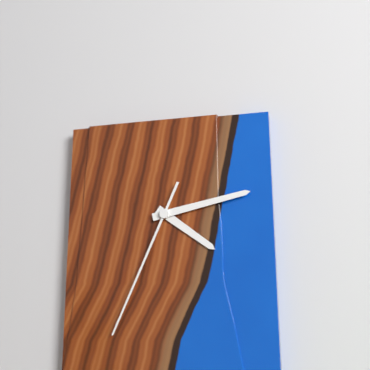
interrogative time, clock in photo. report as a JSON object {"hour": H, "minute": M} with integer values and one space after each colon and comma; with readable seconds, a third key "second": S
{"hour": 4, "minute": 13, "second": 34}
